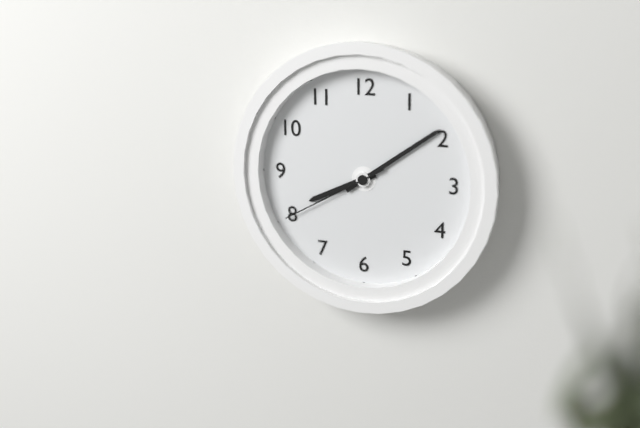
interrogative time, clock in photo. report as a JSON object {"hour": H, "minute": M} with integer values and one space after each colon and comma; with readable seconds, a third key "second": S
{"hour": 8, "minute": 9, "second": 40}
